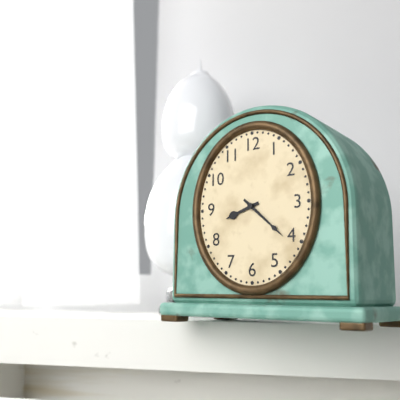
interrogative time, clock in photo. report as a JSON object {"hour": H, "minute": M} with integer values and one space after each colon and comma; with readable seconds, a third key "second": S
{"hour": 8, "minute": 22}
